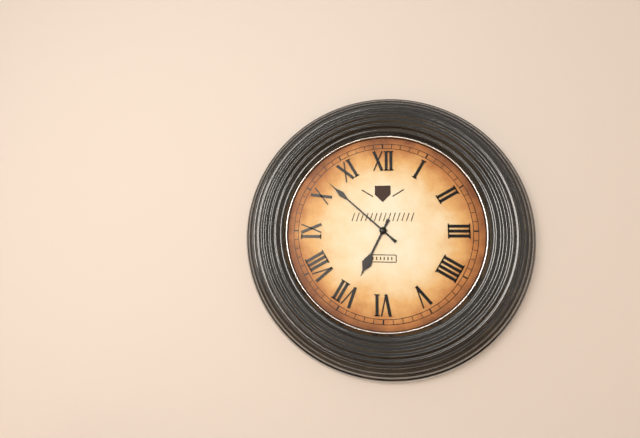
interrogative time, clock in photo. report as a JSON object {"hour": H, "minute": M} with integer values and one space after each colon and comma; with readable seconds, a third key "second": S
{"hour": 6, "minute": 52}
